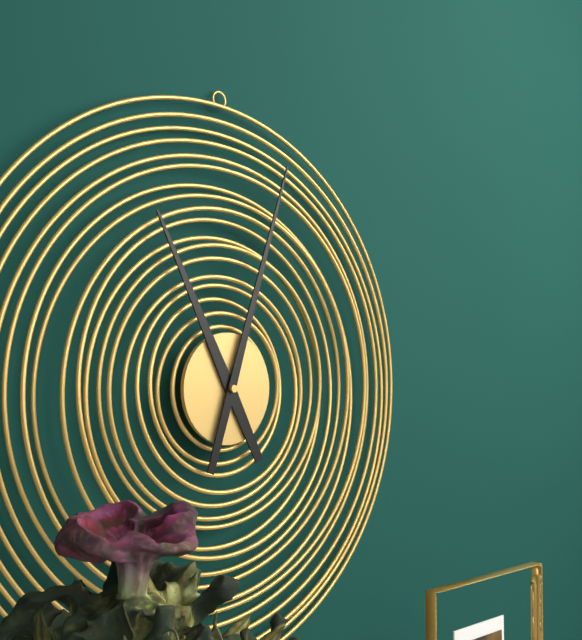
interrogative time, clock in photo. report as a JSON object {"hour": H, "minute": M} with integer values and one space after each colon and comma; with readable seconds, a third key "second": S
{"hour": 11, "minute": 3}
